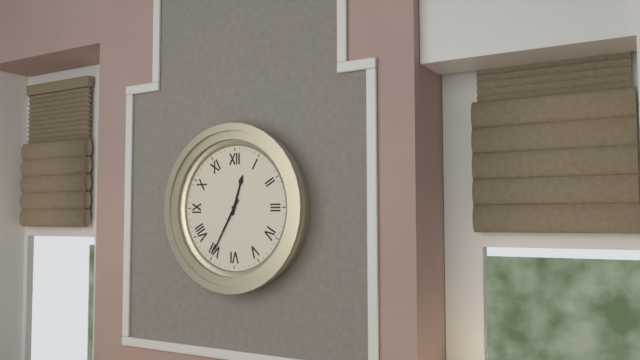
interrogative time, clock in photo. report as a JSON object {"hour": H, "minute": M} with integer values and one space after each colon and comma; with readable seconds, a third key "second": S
{"hour": 12, "minute": 35}
